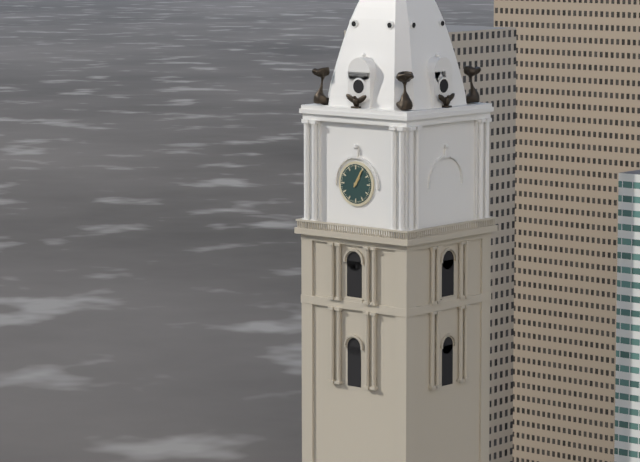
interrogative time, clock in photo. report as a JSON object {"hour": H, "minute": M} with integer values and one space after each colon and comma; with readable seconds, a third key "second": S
{"hour": 1, "minute": 5}
